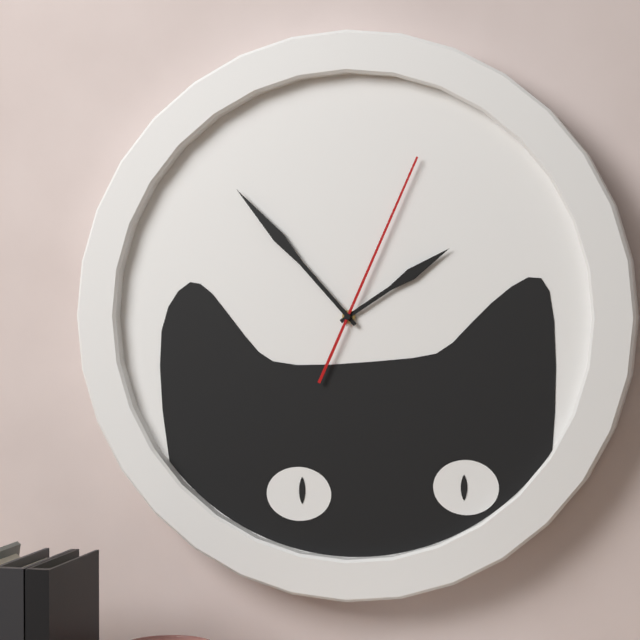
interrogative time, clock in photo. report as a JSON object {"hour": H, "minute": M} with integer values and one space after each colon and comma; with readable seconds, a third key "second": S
{"hour": 1, "minute": 53, "second": 4}
